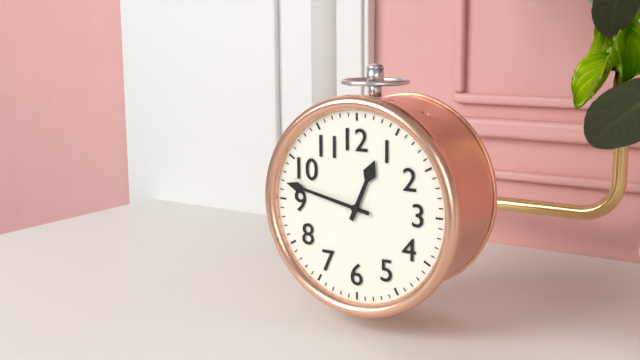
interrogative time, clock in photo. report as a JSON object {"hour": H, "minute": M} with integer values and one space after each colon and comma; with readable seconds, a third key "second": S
{"hour": 12, "minute": 47}
